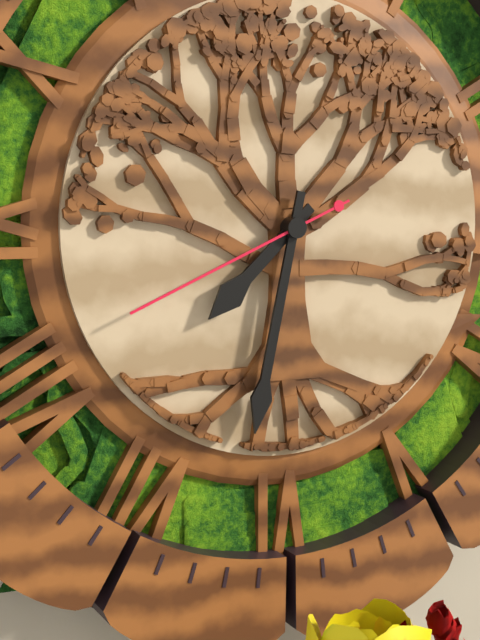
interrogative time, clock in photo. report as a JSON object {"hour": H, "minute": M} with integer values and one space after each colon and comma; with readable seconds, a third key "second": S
{"hour": 7, "minute": 32, "second": 41}
